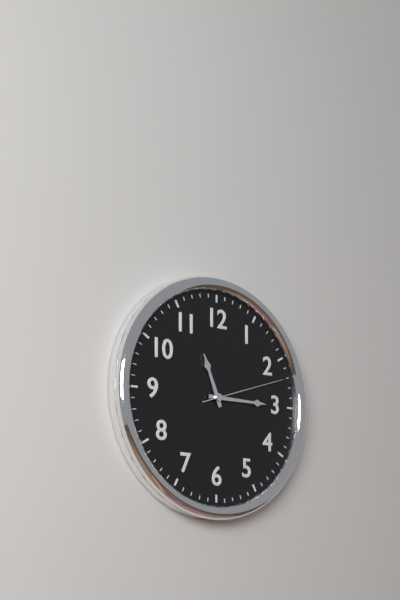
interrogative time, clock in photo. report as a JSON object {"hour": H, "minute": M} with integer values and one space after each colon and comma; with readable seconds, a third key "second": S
{"hour": 11, "minute": 15, "second": 12}
